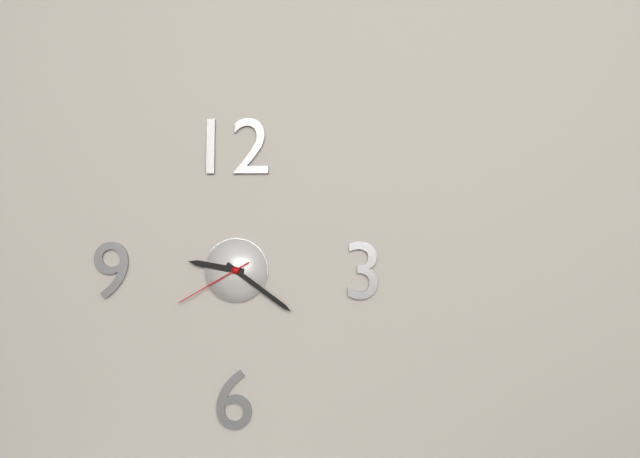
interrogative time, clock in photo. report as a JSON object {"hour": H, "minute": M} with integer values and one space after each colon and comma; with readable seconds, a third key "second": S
{"hour": 9, "minute": 21, "second": 40}
